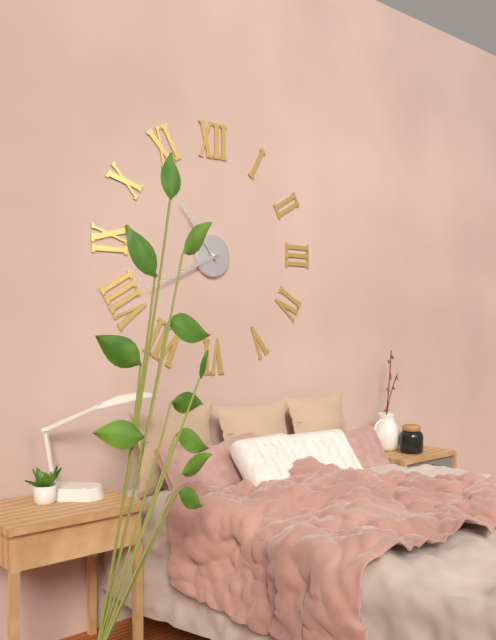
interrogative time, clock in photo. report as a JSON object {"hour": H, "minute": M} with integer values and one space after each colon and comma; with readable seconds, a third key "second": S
{"hour": 10, "minute": 41}
